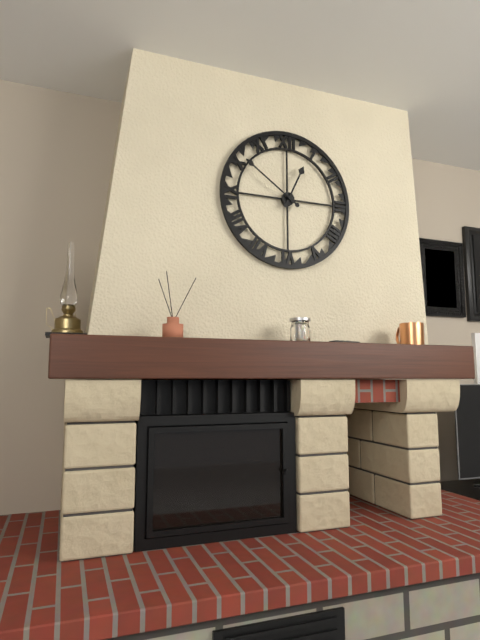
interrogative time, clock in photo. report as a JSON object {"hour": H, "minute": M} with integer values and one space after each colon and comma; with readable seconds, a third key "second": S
{"hour": 12, "minute": 51}
